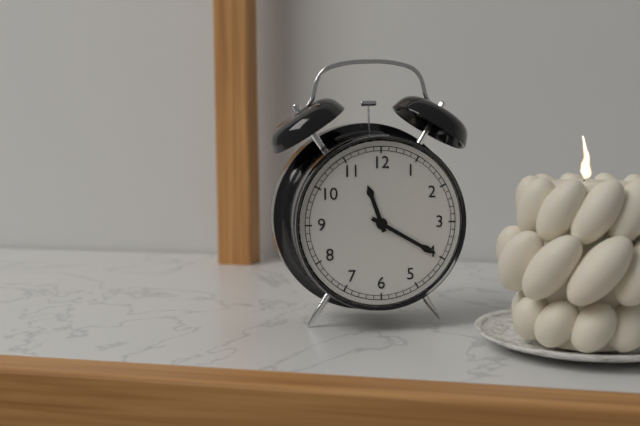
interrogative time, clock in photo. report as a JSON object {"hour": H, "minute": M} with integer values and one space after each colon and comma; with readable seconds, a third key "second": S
{"hour": 11, "minute": 20}
